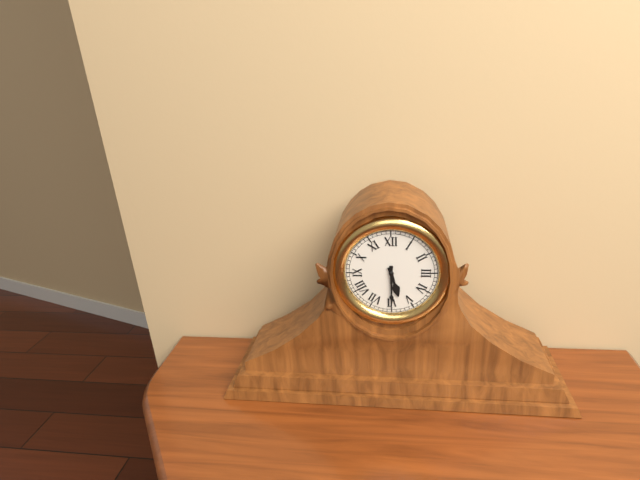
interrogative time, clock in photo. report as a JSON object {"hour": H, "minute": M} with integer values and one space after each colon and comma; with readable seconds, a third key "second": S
{"hour": 5, "minute": 30}
